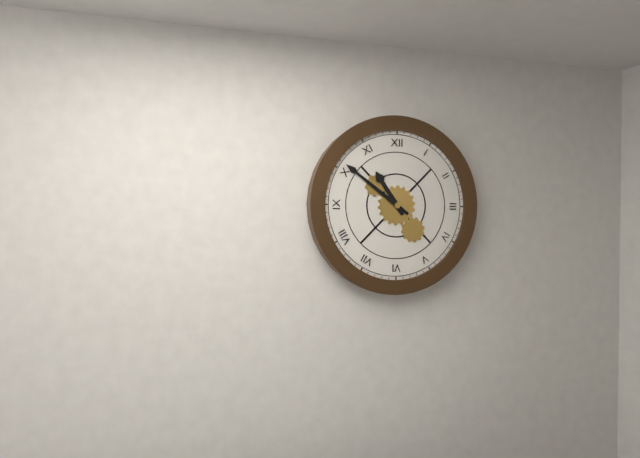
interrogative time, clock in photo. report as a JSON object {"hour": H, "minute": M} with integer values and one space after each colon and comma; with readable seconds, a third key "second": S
{"hour": 10, "minute": 51}
